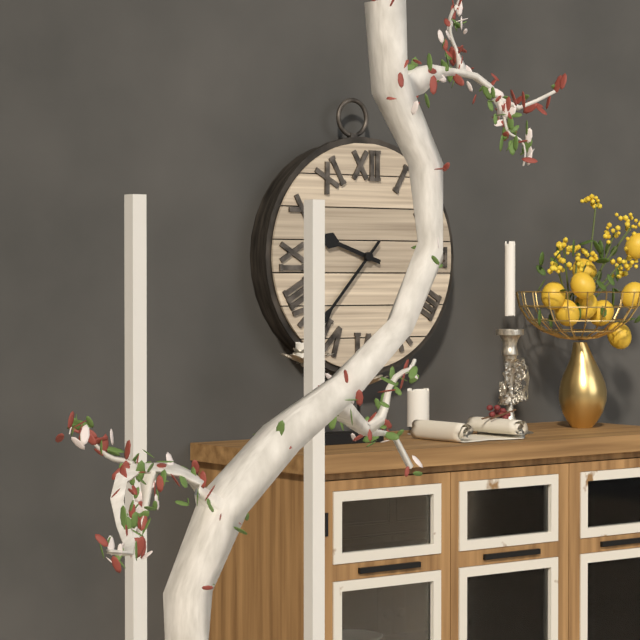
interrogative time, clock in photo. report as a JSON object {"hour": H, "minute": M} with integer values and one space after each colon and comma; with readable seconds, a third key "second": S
{"hour": 9, "minute": 37}
